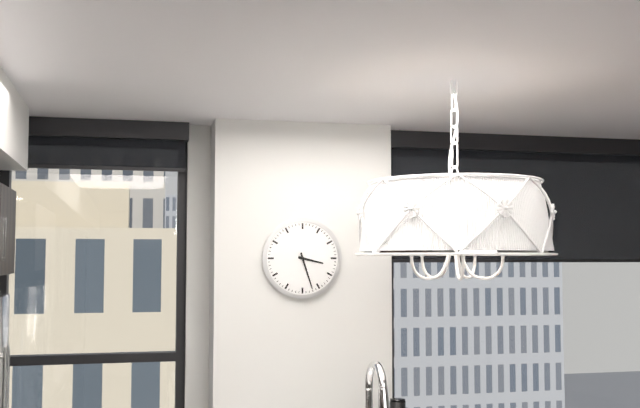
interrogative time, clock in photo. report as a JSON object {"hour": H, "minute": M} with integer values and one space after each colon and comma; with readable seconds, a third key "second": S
{"hour": 3, "minute": 27}
